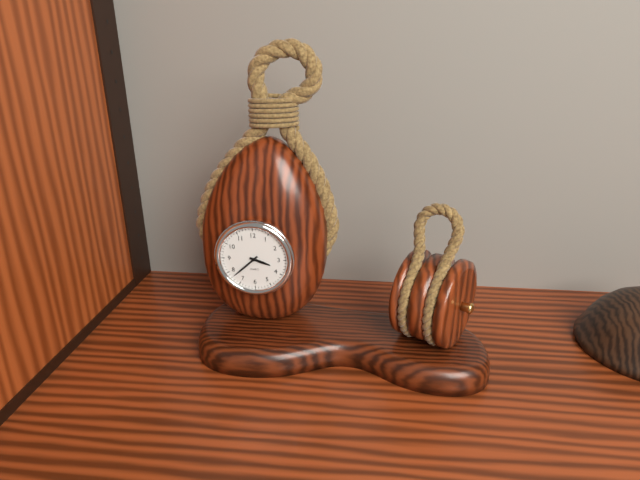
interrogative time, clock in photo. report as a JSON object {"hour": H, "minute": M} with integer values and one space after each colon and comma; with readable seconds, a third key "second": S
{"hour": 3, "minute": 38}
